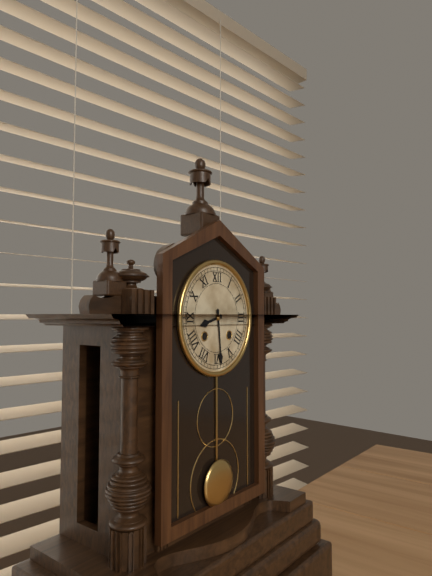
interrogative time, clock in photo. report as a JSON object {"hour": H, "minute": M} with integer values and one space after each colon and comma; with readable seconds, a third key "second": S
{"hour": 8, "minute": 29}
